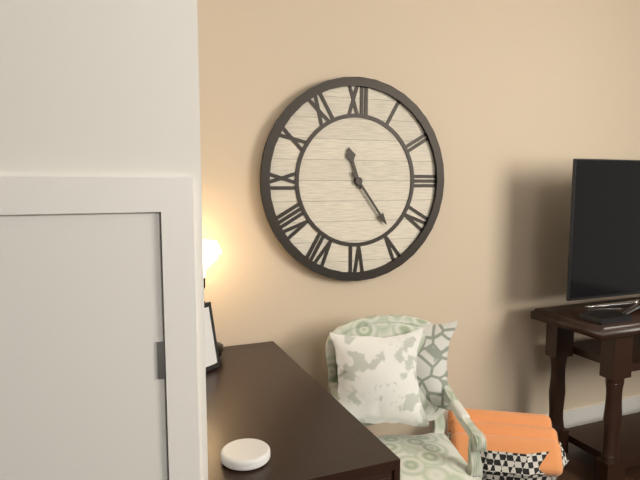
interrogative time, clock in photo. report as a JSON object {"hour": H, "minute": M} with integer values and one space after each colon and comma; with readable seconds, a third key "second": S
{"hour": 11, "minute": 24}
